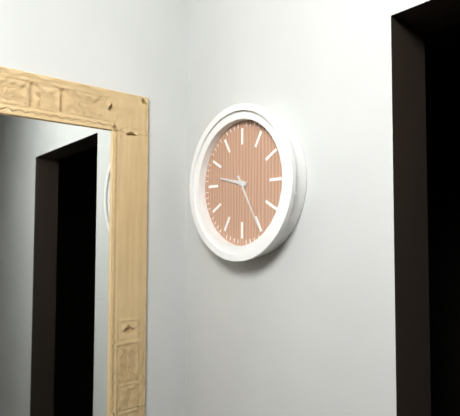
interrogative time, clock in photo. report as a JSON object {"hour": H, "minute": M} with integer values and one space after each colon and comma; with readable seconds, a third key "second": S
{"hour": 9, "minute": 25}
